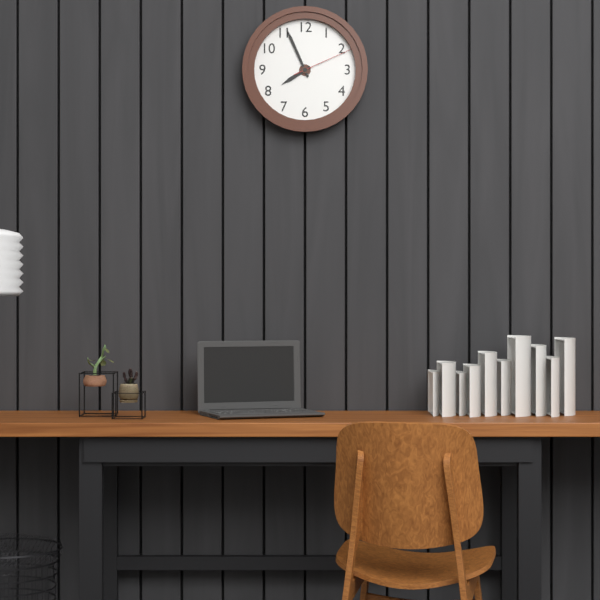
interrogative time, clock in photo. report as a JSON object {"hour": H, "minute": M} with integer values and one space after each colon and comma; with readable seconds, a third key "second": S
{"hour": 7, "minute": 56, "second": 11}
